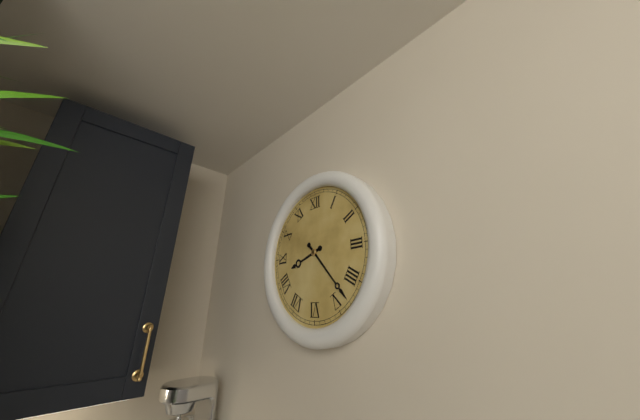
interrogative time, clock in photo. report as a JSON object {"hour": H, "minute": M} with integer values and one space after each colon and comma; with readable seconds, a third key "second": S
{"hour": 8, "minute": 23}
